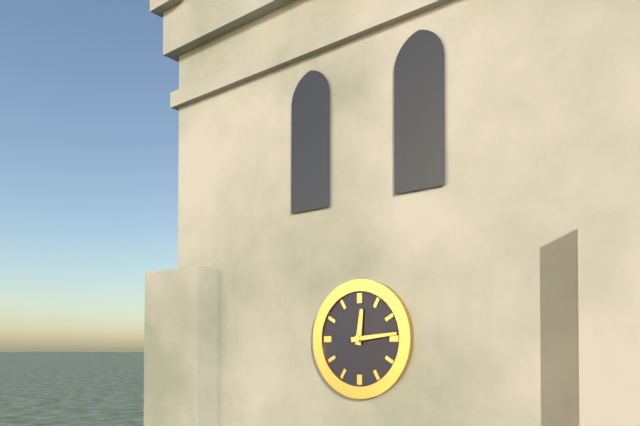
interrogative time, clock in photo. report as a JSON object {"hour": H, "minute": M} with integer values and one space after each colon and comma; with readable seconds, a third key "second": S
{"hour": 12, "minute": 14}
